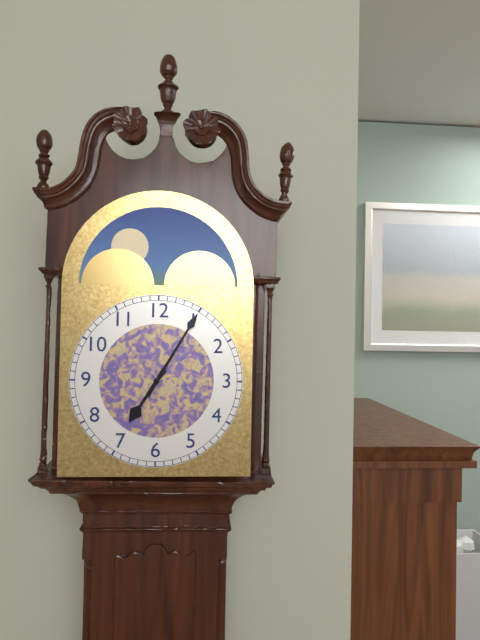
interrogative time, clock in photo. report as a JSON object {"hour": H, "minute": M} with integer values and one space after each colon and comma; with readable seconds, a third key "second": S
{"hour": 7, "minute": 5}
